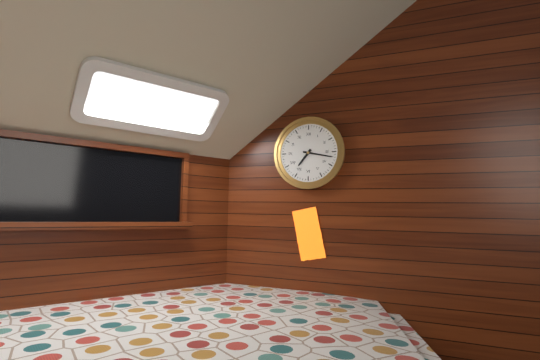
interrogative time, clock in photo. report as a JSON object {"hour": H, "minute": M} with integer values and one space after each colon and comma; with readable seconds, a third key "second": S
{"hour": 7, "minute": 17}
